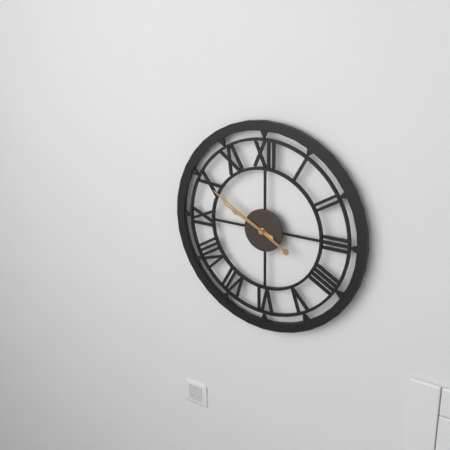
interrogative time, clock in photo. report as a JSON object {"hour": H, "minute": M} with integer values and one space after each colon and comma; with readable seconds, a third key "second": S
{"hour": 9, "minute": 50}
